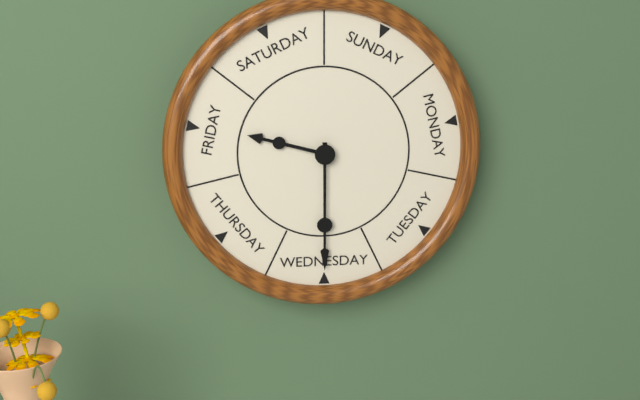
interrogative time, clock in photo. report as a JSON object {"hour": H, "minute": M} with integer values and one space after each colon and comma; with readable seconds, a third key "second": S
{"hour": 9, "minute": 30}
